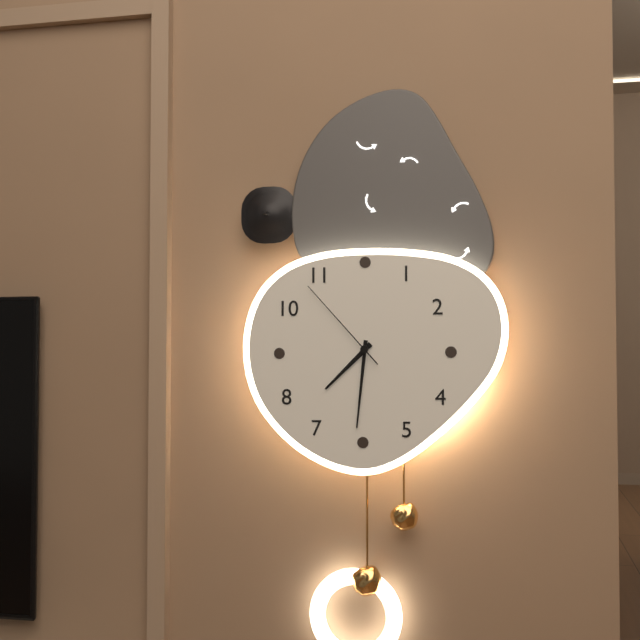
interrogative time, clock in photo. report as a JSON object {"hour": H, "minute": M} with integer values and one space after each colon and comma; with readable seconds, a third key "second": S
{"hour": 7, "minute": 31, "second": 53}
